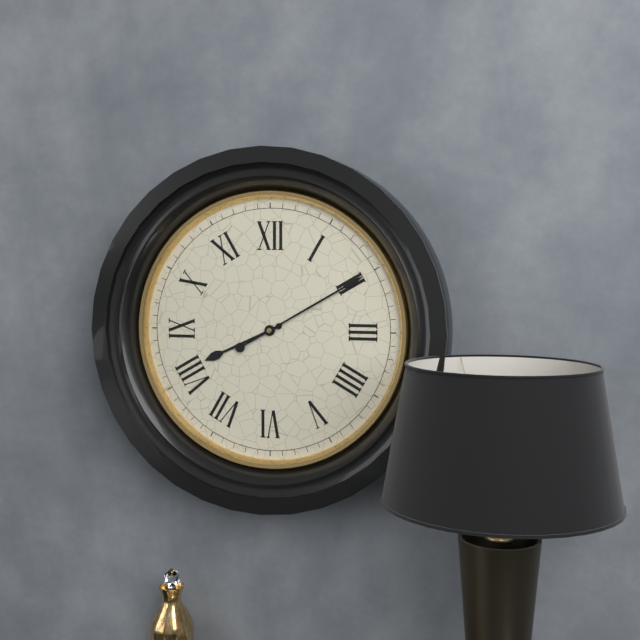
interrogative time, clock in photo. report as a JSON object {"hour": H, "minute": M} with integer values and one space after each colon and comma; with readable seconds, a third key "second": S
{"hour": 8, "minute": 10}
